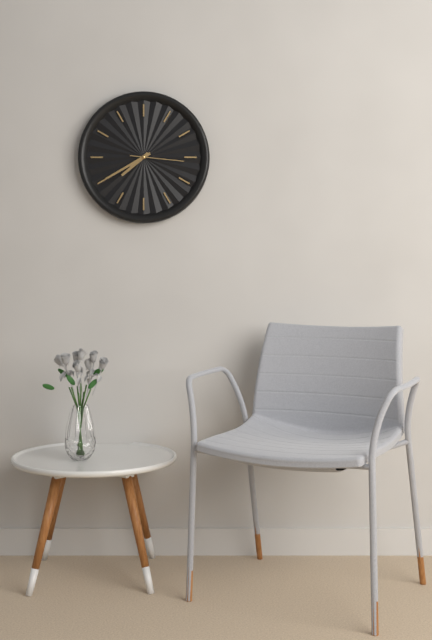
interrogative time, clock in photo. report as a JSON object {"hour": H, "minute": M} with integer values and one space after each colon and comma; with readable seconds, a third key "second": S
{"hour": 7, "minute": 40, "second": 16}
